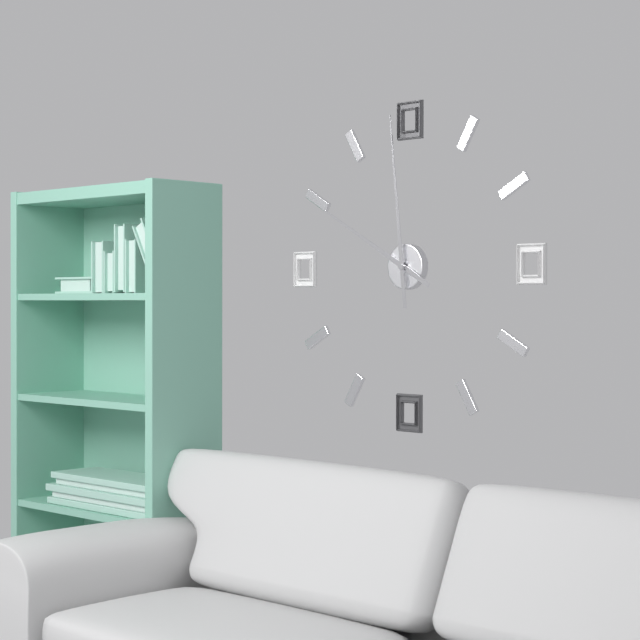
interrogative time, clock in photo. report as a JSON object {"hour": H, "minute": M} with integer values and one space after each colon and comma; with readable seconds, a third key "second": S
{"hour": 9, "minute": 59}
